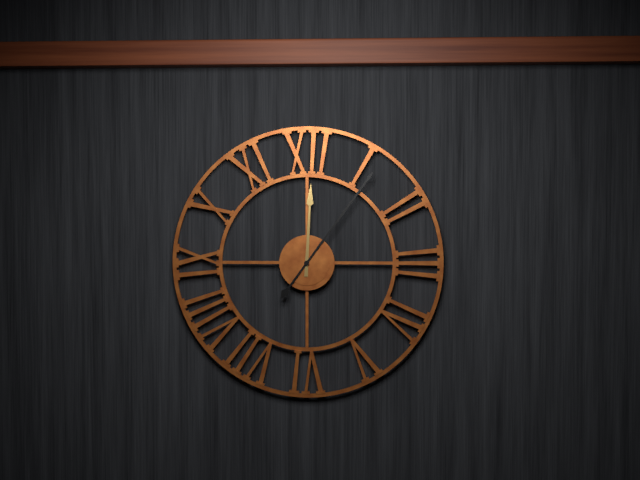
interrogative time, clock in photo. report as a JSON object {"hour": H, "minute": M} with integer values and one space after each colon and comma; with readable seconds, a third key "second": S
{"hour": 12, "minute": 6}
